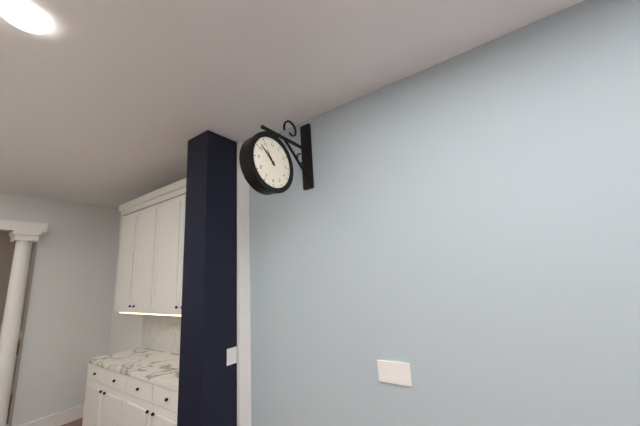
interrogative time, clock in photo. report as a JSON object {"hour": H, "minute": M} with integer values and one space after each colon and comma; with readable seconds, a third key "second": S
{"hour": 10, "minute": 52}
